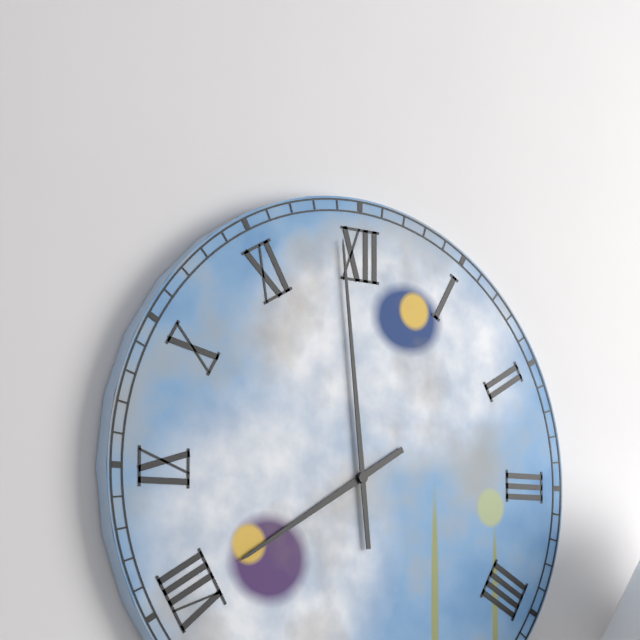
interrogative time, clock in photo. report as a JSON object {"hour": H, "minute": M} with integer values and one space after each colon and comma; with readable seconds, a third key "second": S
{"hour": 7, "minute": 59}
